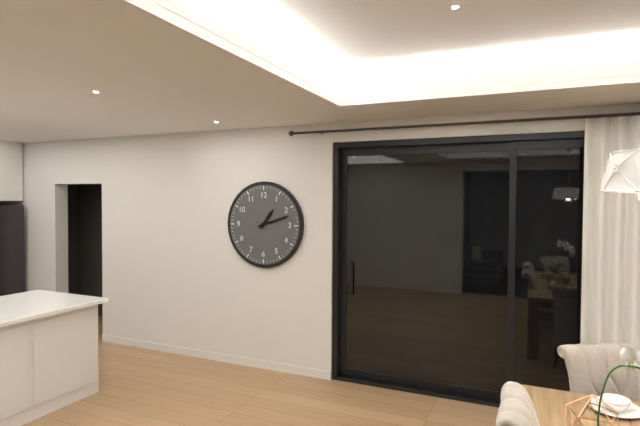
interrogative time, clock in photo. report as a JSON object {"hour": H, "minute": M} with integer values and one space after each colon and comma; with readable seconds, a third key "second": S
{"hour": 1, "minute": 12}
